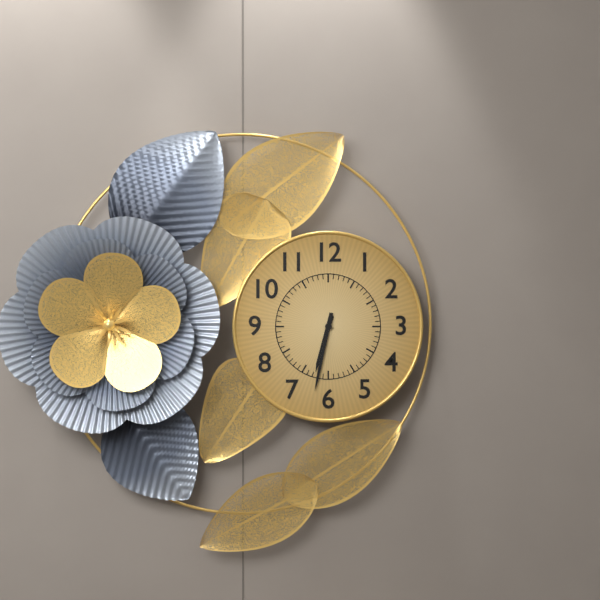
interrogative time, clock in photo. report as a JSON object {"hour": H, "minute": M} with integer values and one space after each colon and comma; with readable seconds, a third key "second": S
{"hour": 6, "minute": 32}
